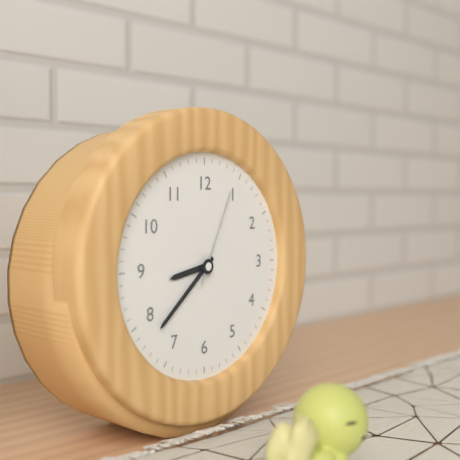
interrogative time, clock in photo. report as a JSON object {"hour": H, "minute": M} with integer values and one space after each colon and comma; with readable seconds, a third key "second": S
{"hour": 8, "minute": 38, "second": 4}
